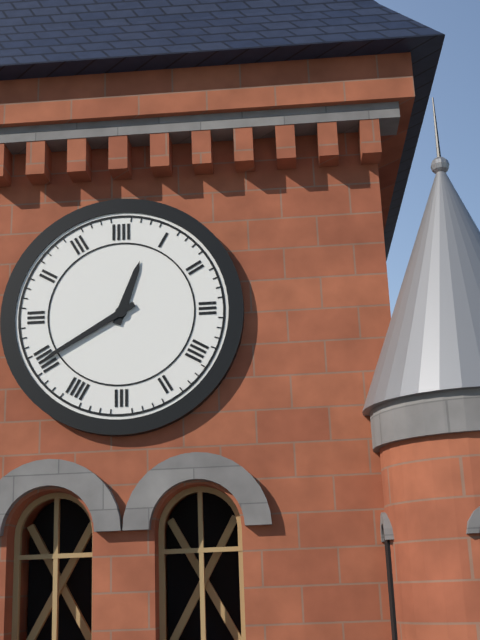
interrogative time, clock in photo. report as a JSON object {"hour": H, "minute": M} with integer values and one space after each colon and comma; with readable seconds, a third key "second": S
{"hour": 12, "minute": 40}
